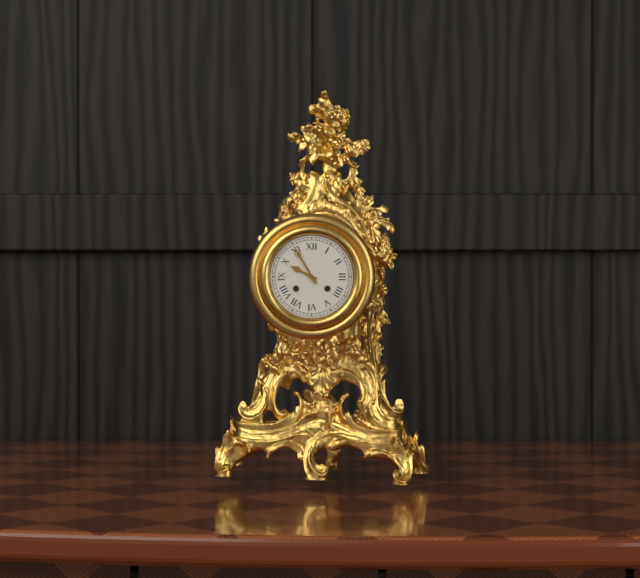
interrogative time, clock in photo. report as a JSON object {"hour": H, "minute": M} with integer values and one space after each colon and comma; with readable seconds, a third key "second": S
{"hour": 9, "minute": 55}
